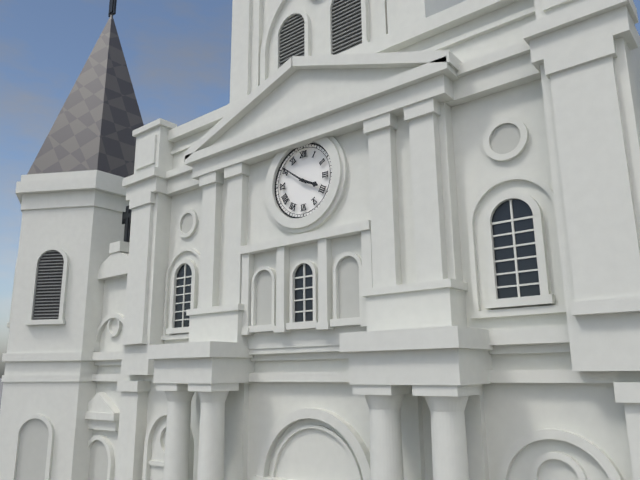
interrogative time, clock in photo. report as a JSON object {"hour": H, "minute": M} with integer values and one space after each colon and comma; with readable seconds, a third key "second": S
{"hour": 3, "minute": 51}
